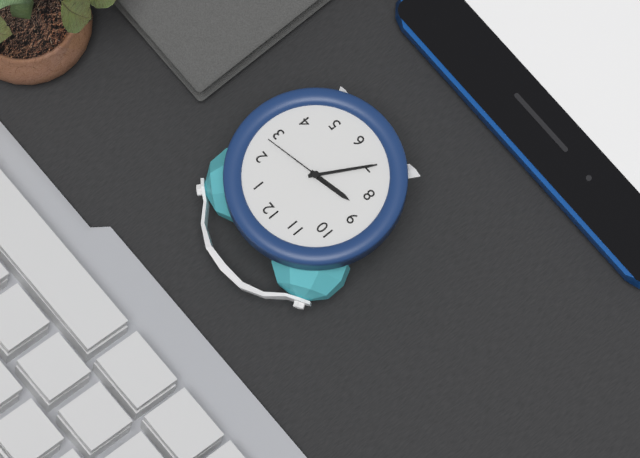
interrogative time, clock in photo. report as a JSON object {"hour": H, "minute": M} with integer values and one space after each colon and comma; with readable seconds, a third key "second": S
{"hour": 8, "minute": 35, "second": 13}
